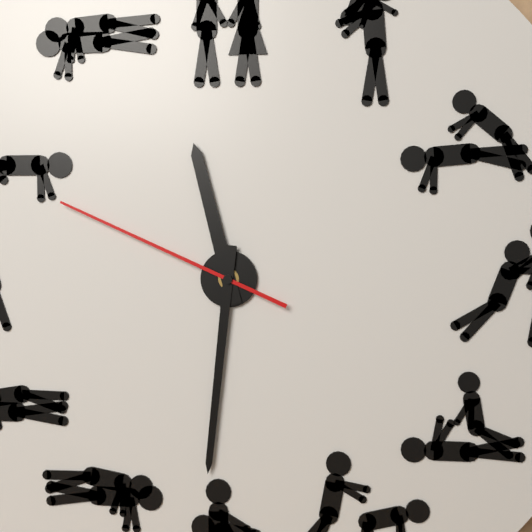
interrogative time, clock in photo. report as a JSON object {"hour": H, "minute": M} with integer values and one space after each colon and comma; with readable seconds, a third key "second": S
{"hour": 11, "minute": 31, "second": 49}
